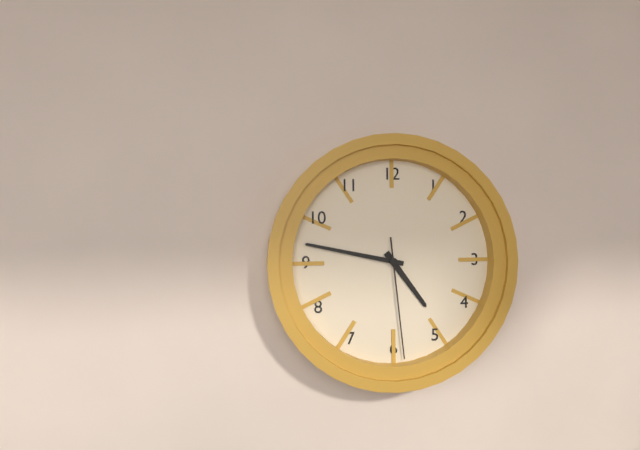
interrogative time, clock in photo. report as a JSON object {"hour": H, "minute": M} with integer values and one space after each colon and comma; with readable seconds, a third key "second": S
{"hour": 4, "minute": 47, "second": 29}
